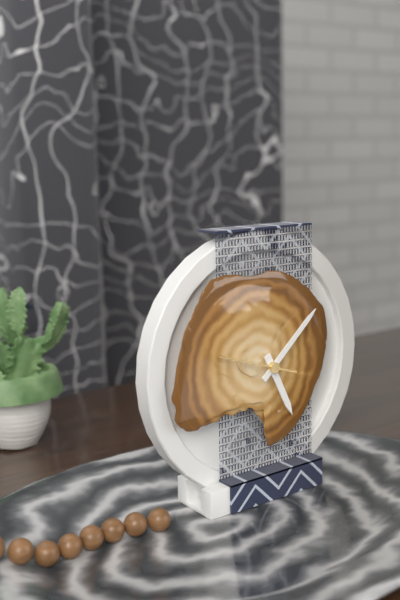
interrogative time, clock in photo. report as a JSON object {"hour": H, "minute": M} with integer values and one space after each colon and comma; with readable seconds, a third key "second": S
{"hour": 5, "minute": 8, "second": 48}
